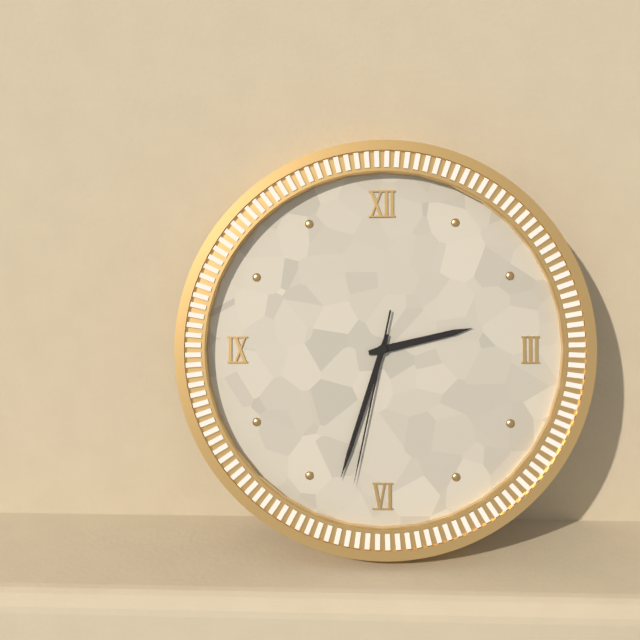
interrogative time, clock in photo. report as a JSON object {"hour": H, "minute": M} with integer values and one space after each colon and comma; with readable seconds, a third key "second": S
{"hour": 2, "minute": 33, "second": 32}
